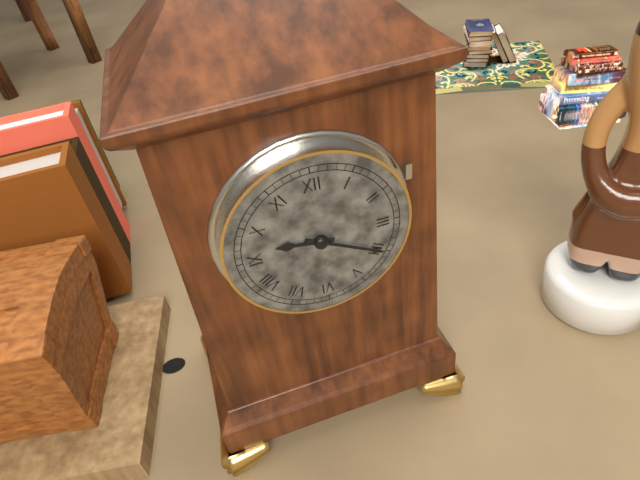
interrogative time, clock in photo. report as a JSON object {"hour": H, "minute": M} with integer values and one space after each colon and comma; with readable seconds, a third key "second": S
{"hour": 9, "minute": 20}
